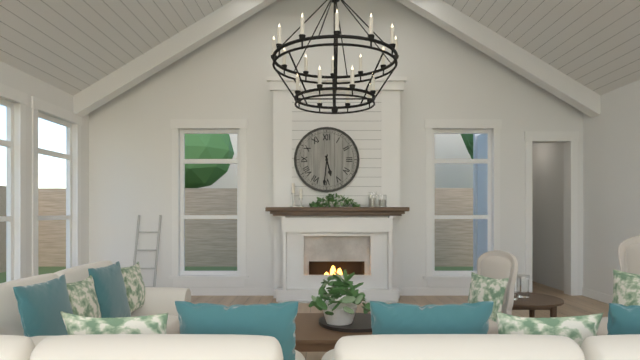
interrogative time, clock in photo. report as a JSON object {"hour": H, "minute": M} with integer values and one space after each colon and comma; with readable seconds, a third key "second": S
{"hour": 5, "minute": 31}
